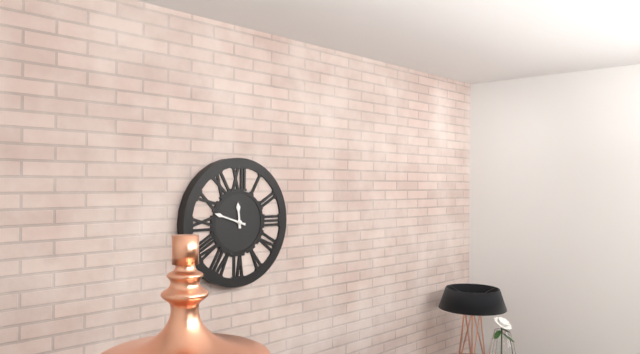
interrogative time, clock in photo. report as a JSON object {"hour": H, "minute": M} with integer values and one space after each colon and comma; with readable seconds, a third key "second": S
{"hour": 11, "minute": 48}
